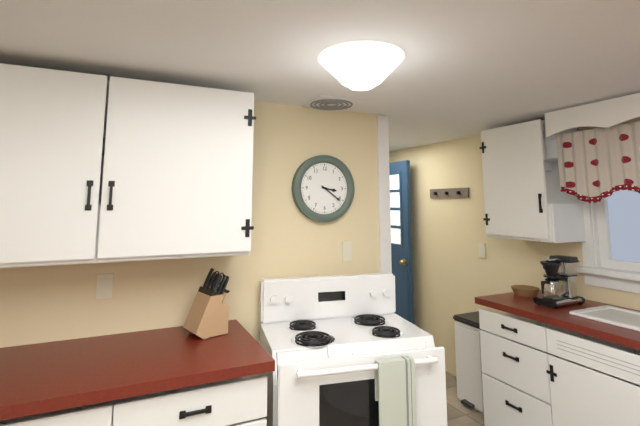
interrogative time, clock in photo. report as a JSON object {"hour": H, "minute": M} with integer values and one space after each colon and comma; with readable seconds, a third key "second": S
{"hour": 3, "minute": 21}
